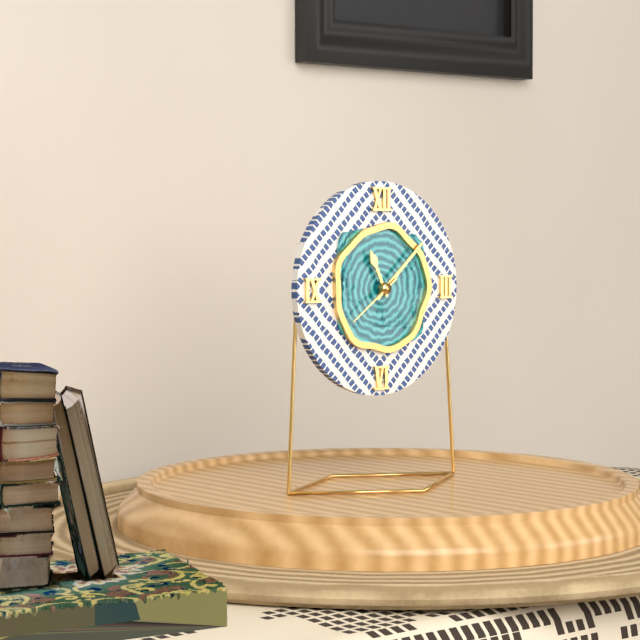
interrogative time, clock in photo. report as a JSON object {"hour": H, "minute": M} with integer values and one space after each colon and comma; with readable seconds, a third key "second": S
{"hour": 11, "minute": 8, "second": 39}
